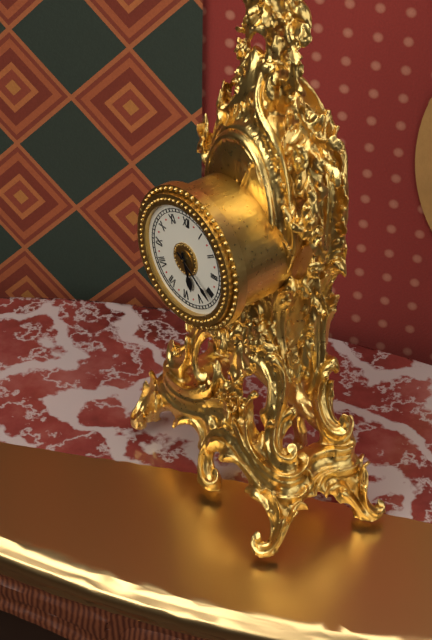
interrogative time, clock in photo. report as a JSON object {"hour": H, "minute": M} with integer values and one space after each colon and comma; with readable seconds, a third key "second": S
{"hour": 5, "minute": 21}
